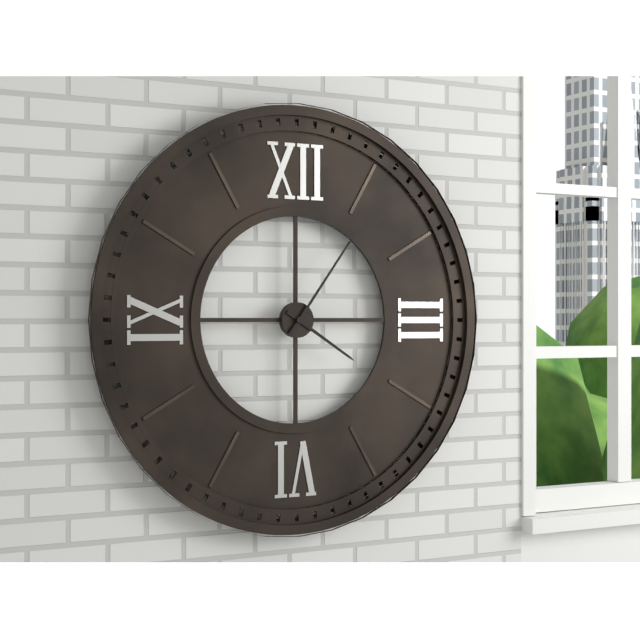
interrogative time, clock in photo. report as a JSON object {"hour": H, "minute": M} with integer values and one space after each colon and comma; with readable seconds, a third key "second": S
{"hour": 4, "minute": 6}
